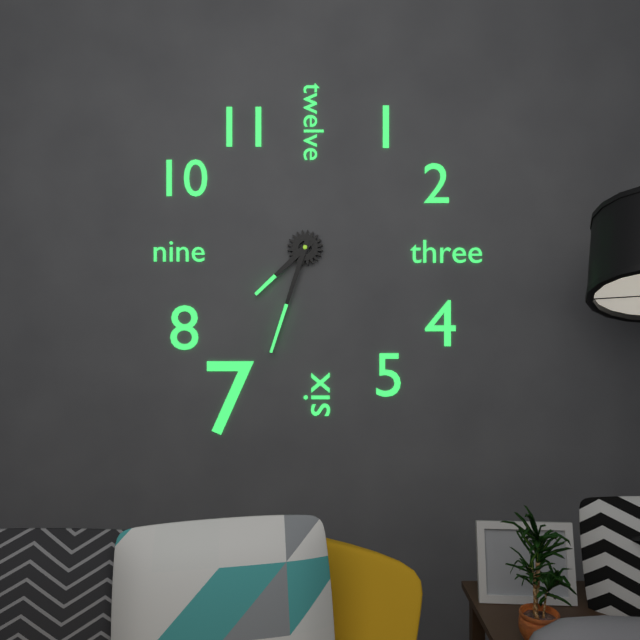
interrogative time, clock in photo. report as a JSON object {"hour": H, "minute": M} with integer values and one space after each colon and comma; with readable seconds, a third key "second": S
{"hour": 7, "minute": 33}
